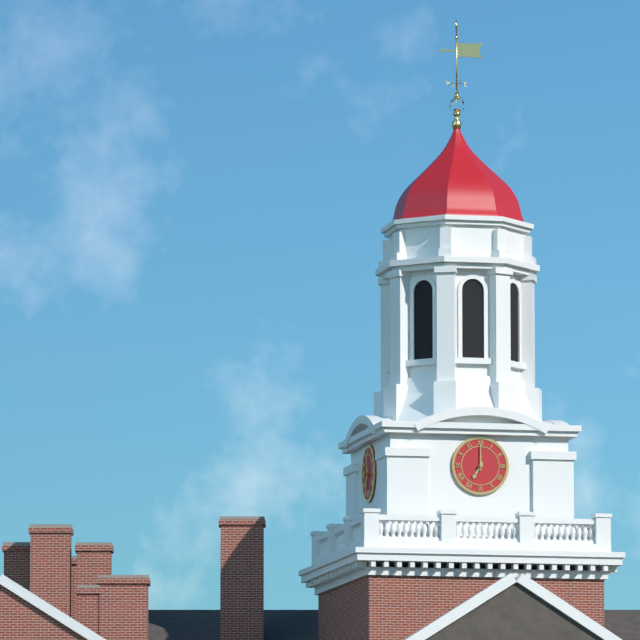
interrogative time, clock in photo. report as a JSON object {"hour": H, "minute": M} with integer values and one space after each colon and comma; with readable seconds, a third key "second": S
{"hour": 7, "minute": 0}
